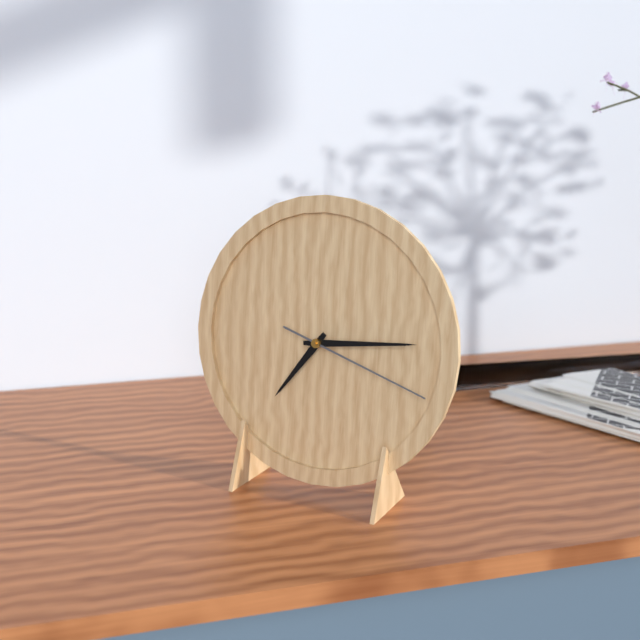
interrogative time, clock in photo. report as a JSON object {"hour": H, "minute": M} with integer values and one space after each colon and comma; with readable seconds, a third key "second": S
{"hour": 7, "minute": 14, "second": 18}
